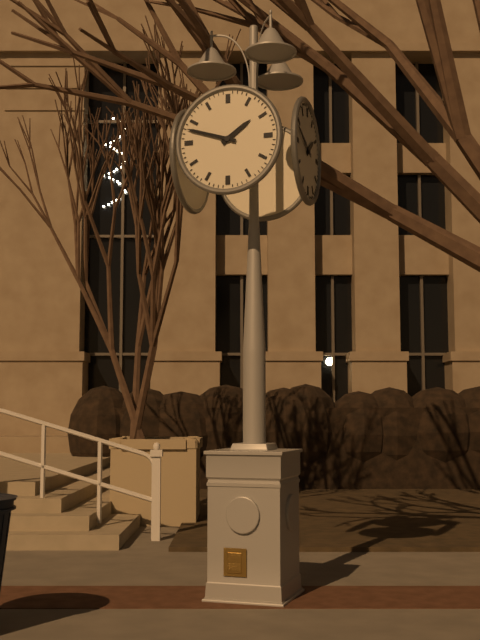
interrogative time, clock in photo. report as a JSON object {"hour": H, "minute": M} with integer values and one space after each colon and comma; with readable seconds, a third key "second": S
{"hour": 1, "minute": 48}
